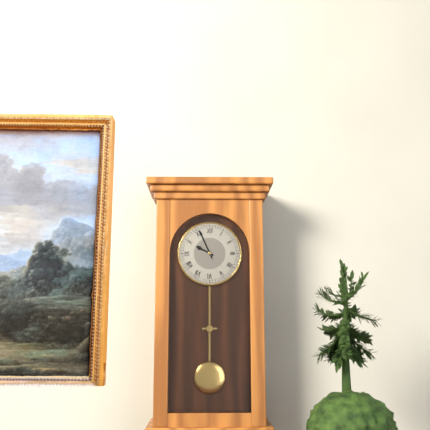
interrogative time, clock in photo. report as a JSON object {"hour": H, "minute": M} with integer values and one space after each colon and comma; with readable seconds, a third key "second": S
{"hour": 9, "minute": 56}
